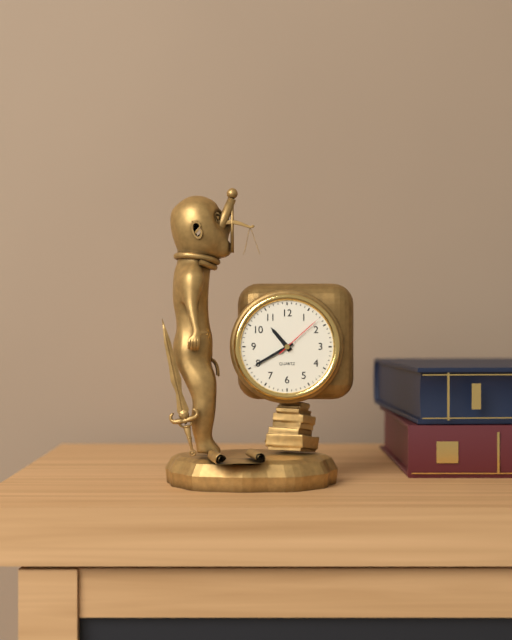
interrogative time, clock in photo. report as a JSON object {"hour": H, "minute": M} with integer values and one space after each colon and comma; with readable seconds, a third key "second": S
{"hour": 10, "minute": 40, "second": 8}
